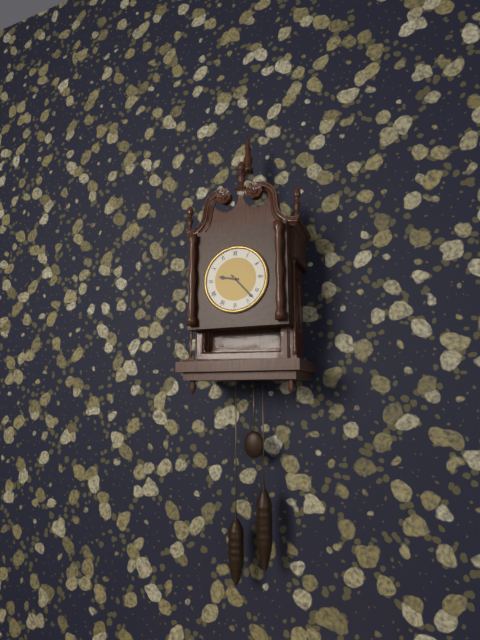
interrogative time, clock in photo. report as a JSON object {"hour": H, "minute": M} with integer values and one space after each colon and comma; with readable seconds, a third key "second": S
{"hour": 9, "minute": 23}
